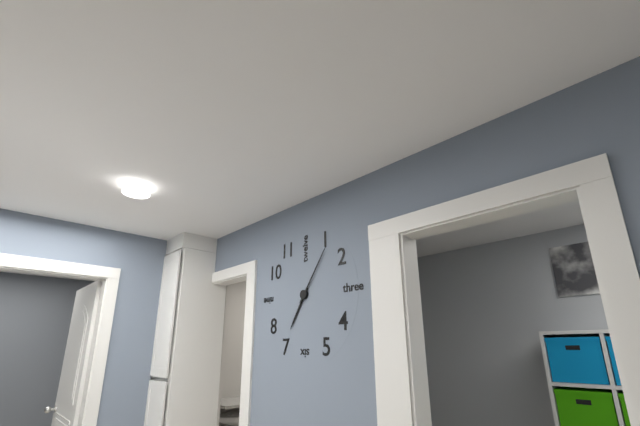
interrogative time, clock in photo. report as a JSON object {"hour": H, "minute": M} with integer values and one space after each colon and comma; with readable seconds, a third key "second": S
{"hour": 7, "minute": 6}
